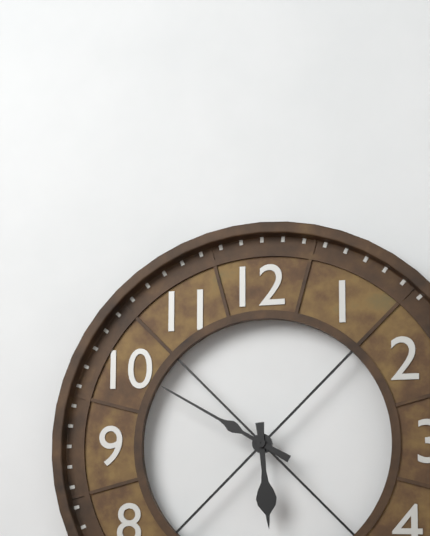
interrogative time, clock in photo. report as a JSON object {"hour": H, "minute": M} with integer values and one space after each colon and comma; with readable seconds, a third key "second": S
{"hour": 5, "minute": 50}
